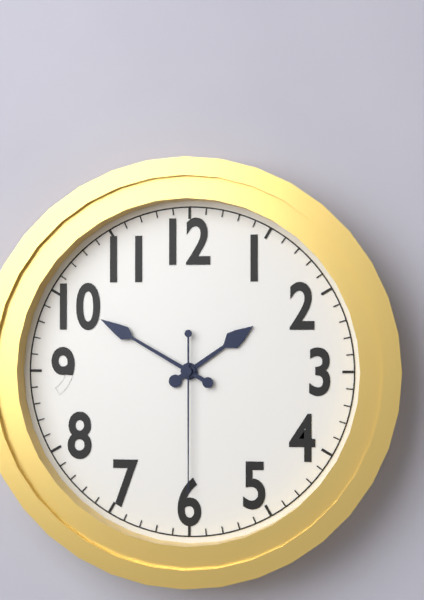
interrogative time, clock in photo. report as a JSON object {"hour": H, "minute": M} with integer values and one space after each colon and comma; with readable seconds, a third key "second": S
{"hour": 1, "minute": 50, "second": 30}
